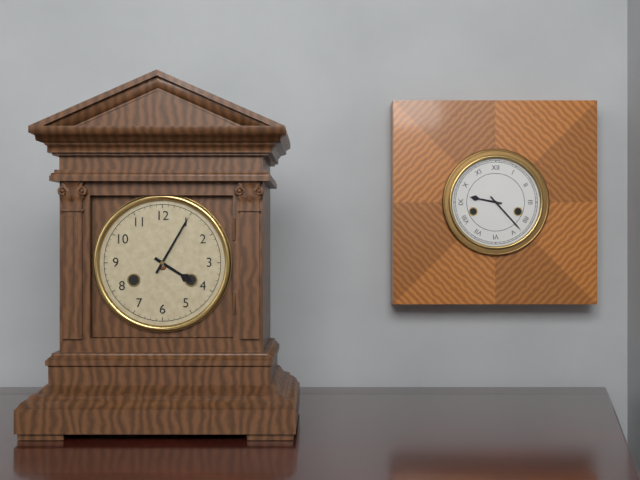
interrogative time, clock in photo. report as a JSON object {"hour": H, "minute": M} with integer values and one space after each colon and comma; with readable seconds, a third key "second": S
{"hour": 4, "minute": 5}
